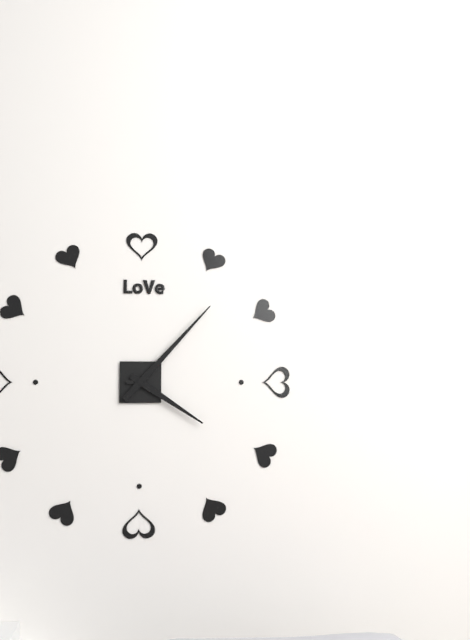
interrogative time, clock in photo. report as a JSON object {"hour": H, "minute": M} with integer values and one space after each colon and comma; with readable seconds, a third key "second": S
{"hour": 4, "minute": 7}
